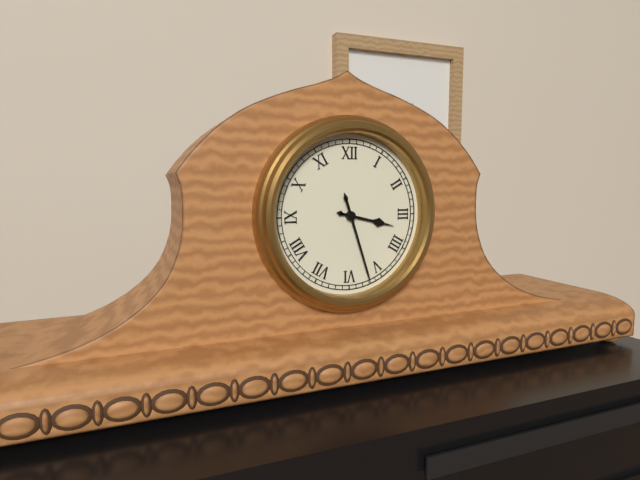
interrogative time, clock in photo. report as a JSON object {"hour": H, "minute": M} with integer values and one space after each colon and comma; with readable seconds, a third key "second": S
{"hour": 3, "minute": 27}
